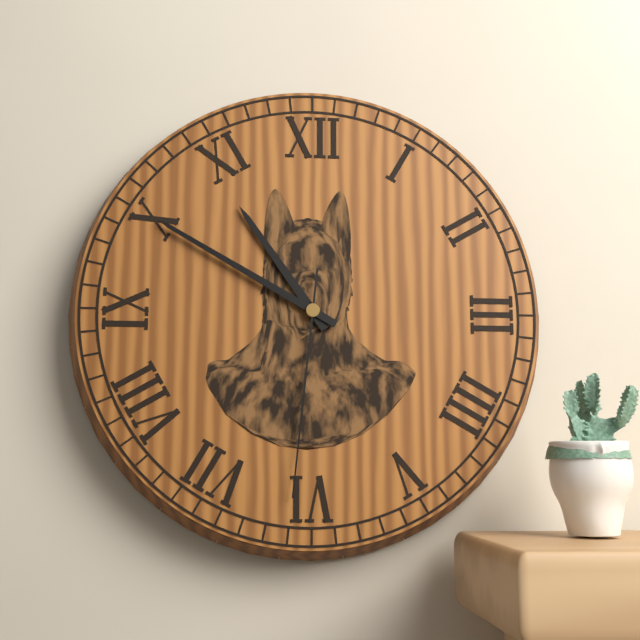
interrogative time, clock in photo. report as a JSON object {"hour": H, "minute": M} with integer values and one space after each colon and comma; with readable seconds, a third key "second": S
{"hour": 10, "minute": 50, "second": 31}
